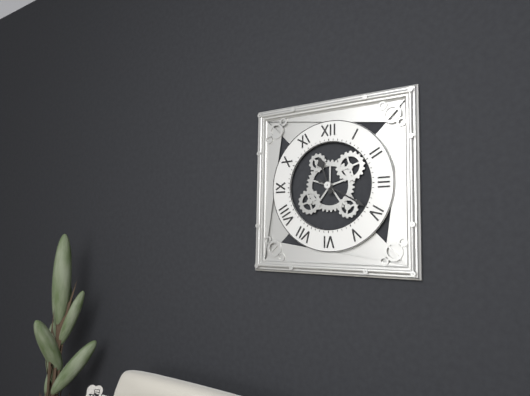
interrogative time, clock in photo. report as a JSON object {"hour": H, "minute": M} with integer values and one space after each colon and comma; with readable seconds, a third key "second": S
{"hour": 11, "minute": 20}
